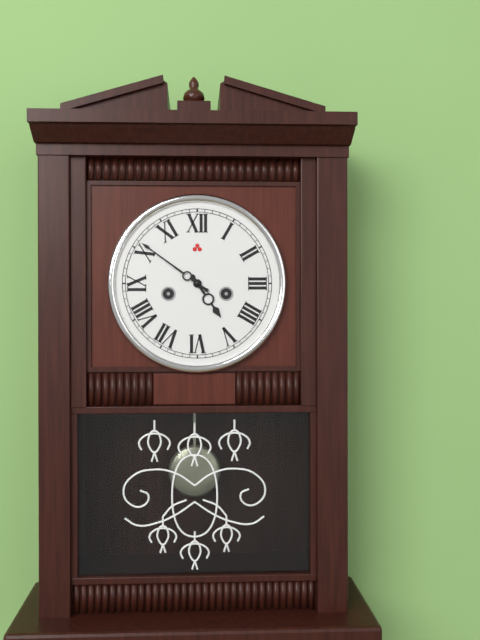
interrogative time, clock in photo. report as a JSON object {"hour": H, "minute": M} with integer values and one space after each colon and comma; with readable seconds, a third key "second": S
{"hour": 4, "minute": 51}
